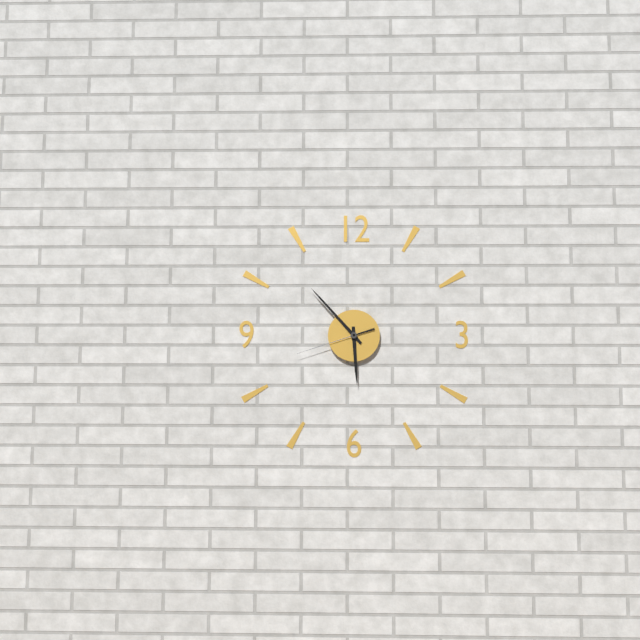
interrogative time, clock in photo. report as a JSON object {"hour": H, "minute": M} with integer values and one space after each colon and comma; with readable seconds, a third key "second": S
{"hour": 5, "minute": 53, "second": 42}
